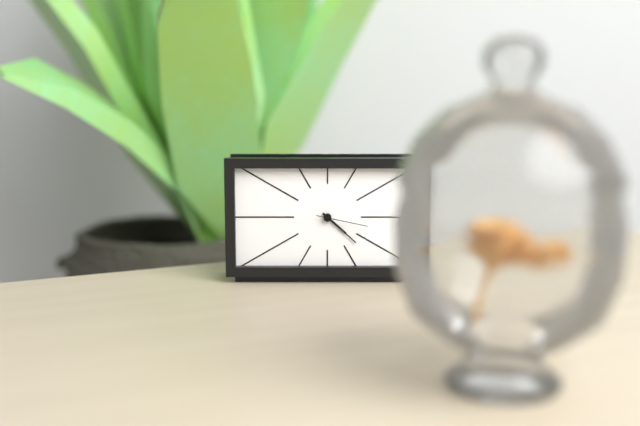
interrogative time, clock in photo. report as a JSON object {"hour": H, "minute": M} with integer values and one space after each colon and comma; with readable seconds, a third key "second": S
{"hour": 4, "minute": 22, "second": 17}
